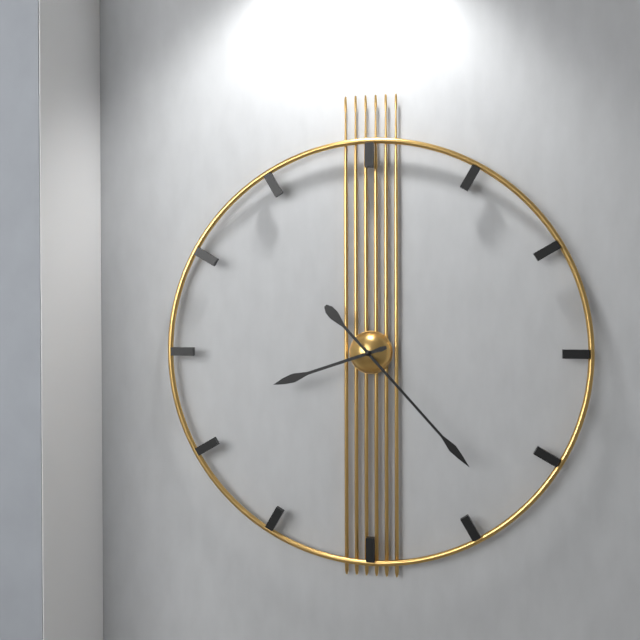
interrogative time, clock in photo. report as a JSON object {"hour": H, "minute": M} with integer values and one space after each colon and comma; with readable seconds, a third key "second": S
{"hour": 8, "minute": 23}
